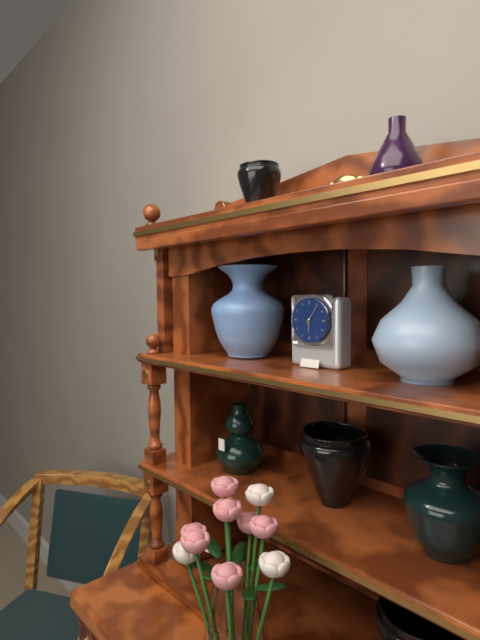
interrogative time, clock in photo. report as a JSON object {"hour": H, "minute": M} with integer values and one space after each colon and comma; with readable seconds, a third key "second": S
{"hour": 6, "minute": 6}
